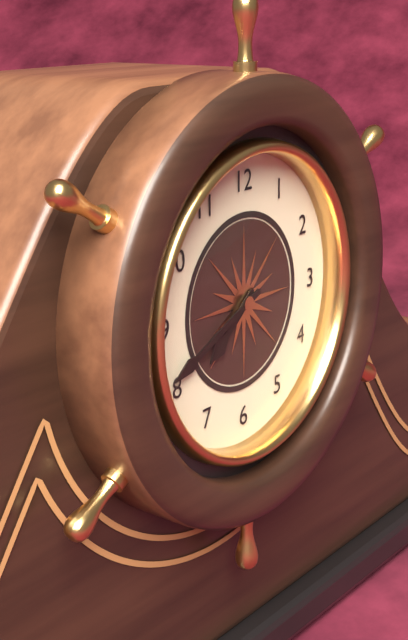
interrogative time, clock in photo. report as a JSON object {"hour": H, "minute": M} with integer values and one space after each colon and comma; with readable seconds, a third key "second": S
{"hour": 7, "minute": 41}
